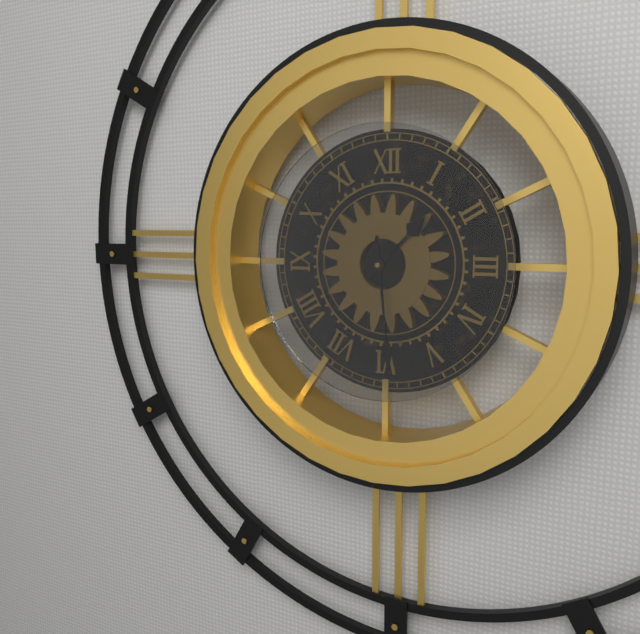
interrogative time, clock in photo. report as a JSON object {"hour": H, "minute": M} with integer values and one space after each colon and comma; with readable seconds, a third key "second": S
{"hour": 1, "minute": 29}
